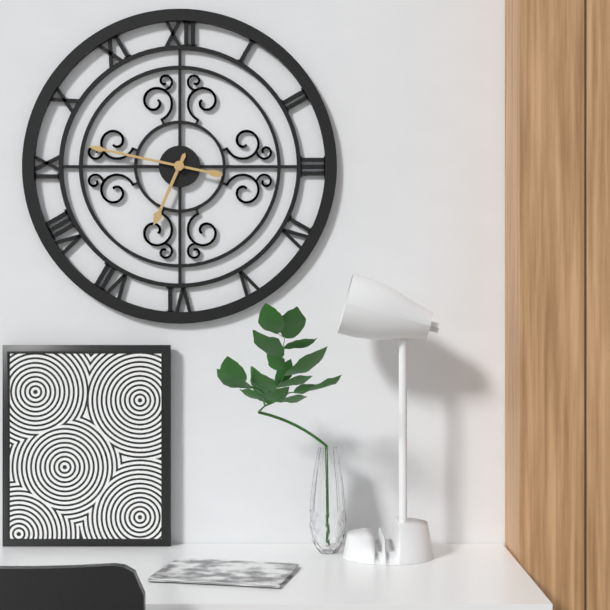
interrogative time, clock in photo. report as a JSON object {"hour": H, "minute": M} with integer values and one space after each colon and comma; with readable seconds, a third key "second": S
{"hour": 6, "minute": 47}
